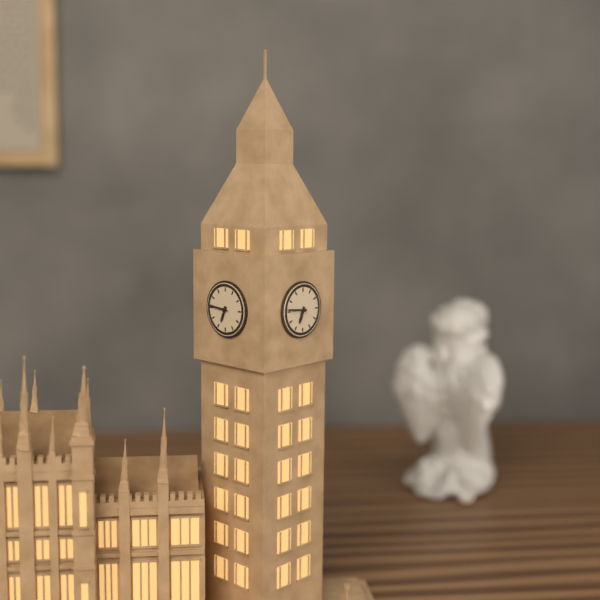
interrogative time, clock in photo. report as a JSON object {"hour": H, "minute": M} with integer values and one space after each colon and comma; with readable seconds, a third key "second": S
{"hour": 6, "minute": 46}
